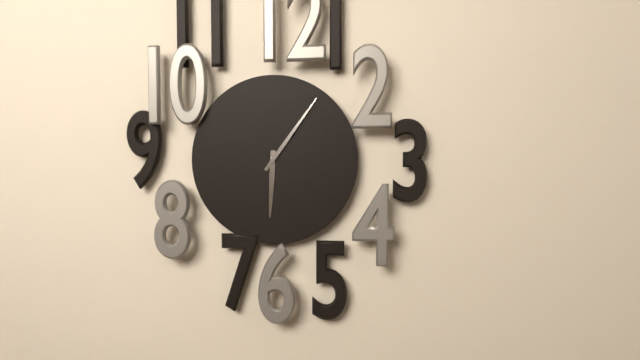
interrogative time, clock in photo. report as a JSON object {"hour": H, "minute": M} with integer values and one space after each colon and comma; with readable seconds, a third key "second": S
{"hour": 6, "minute": 6}
